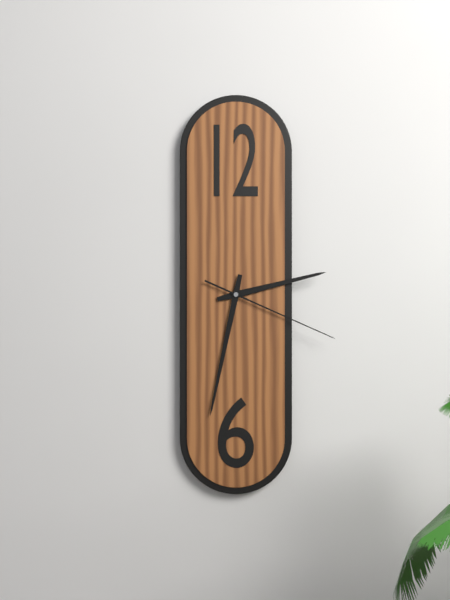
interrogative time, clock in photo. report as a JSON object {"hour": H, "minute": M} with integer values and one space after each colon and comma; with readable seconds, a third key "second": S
{"hour": 2, "minute": 32, "second": 19}
